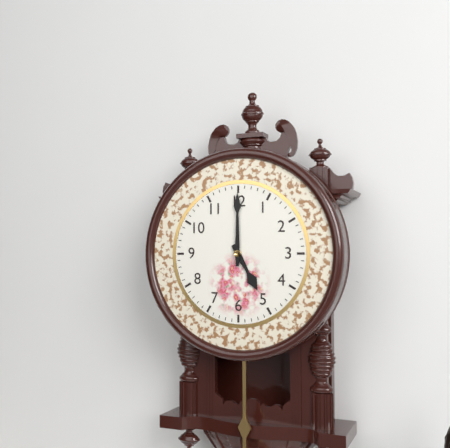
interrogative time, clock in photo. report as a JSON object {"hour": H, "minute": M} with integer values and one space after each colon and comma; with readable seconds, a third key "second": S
{"hour": 5, "minute": 0}
